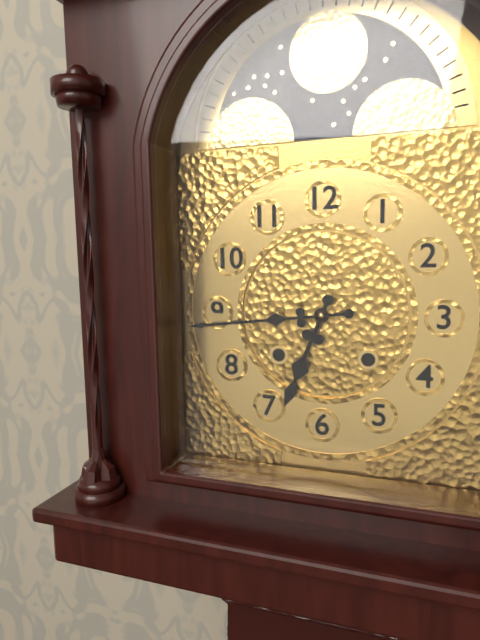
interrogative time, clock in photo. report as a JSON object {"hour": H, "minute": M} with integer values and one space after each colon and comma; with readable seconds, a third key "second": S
{"hour": 6, "minute": 44}
